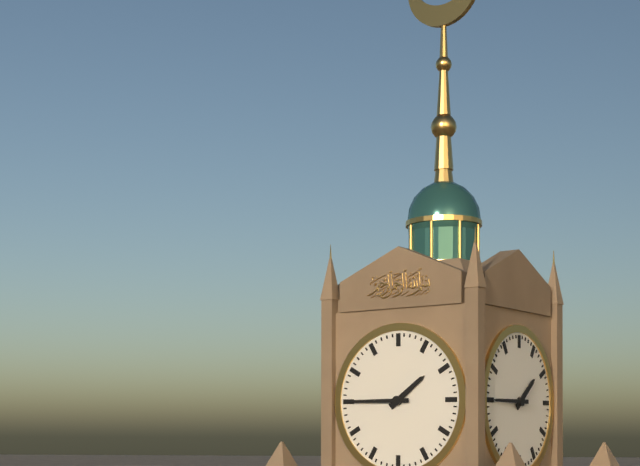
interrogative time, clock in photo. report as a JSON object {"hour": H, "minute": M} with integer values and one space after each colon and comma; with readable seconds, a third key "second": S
{"hour": 1, "minute": 45}
